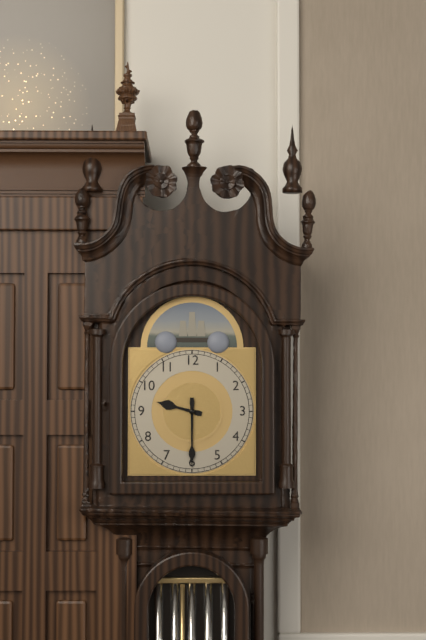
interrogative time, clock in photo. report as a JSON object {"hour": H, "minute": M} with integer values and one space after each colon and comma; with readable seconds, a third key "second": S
{"hour": 9, "minute": 30}
